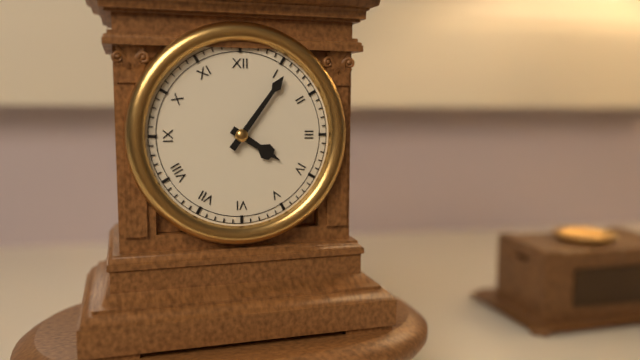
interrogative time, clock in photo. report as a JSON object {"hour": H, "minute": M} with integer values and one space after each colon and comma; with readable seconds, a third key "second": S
{"hour": 4, "minute": 6}
